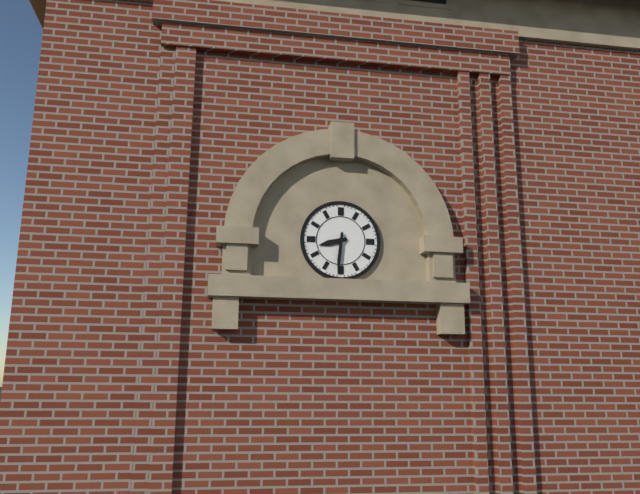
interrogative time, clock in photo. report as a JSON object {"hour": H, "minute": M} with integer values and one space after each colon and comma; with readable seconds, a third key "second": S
{"hour": 8, "minute": 31}
